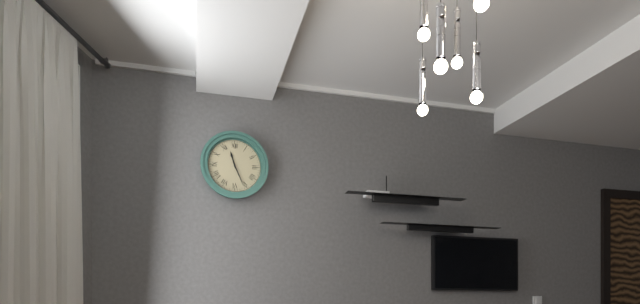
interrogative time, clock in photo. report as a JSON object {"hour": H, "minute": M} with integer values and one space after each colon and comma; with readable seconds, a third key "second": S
{"hour": 11, "minute": 26}
